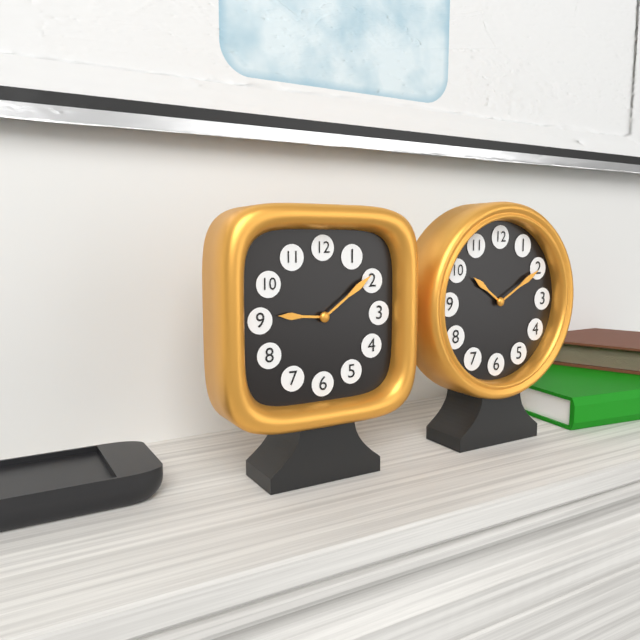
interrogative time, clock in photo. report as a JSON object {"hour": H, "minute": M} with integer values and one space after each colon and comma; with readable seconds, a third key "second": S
{"hour": 9, "minute": 9}
